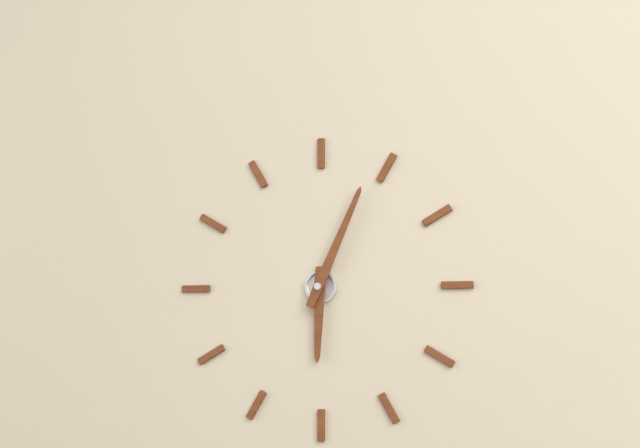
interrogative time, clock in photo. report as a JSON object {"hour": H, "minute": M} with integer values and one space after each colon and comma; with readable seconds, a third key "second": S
{"hour": 6, "minute": 4}
